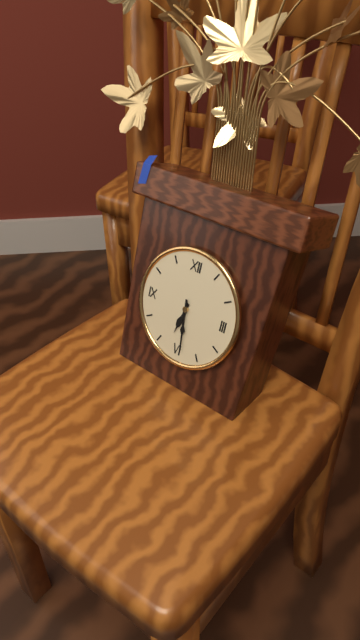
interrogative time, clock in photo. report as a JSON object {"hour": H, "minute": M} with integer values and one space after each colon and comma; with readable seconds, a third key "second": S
{"hour": 6, "minute": 29}
